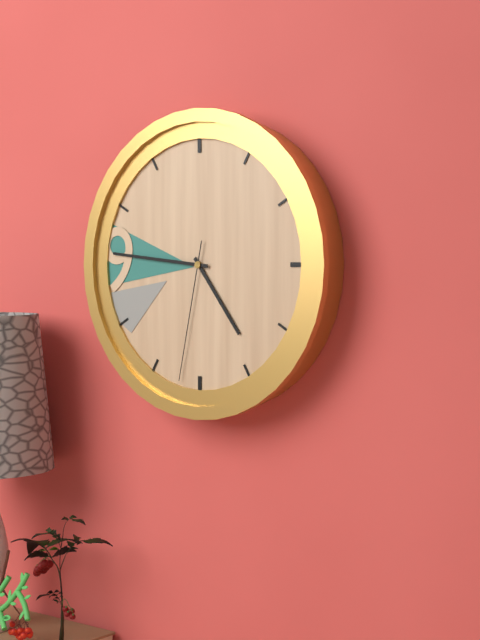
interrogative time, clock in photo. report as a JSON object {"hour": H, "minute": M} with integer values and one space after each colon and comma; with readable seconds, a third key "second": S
{"hour": 4, "minute": 46, "second": 32}
